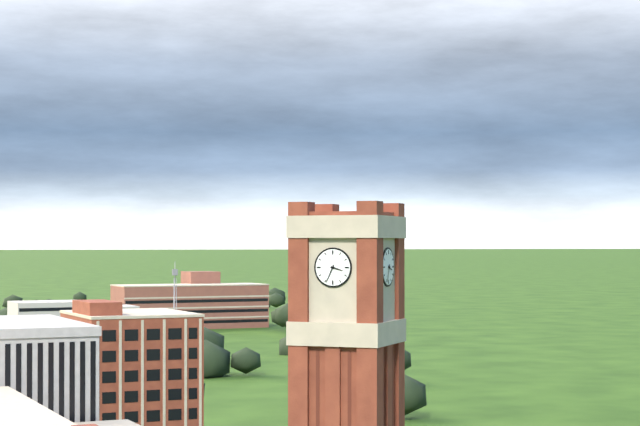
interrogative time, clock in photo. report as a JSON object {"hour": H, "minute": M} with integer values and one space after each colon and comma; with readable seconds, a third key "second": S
{"hour": 3, "minute": 34}
